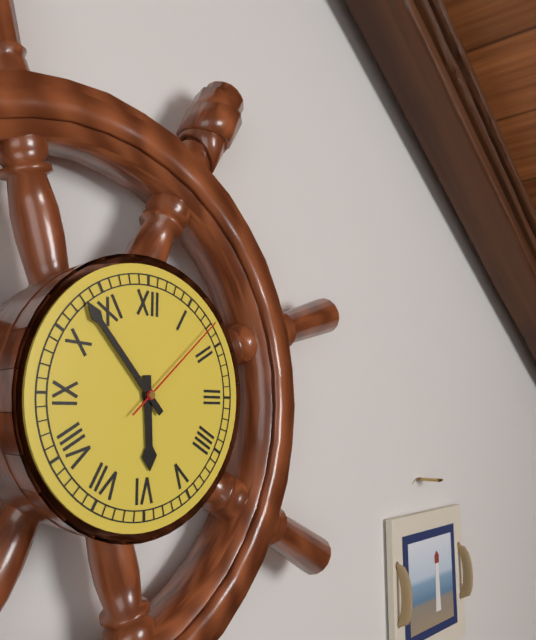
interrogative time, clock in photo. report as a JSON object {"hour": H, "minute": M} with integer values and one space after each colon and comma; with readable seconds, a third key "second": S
{"hour": 5, "minute": 53, "second": 8}
